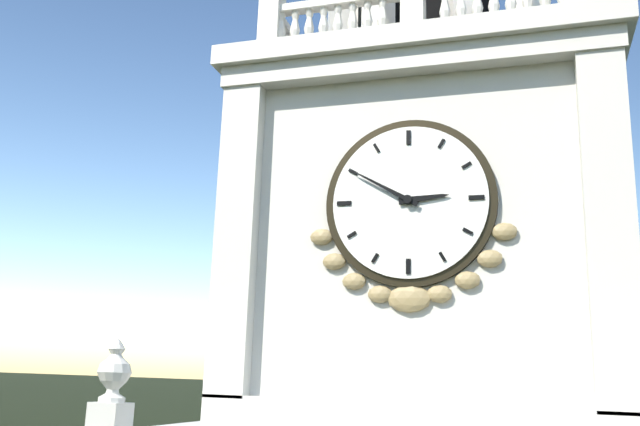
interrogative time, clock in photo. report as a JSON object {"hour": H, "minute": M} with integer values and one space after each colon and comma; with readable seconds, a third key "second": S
{"hour": 2, "minute": 50}
